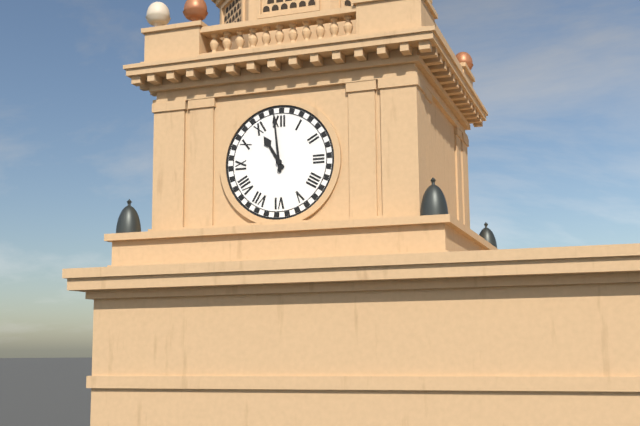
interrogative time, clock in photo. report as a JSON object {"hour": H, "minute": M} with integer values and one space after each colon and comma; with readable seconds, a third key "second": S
{"hour": 10, "minute": 59}
